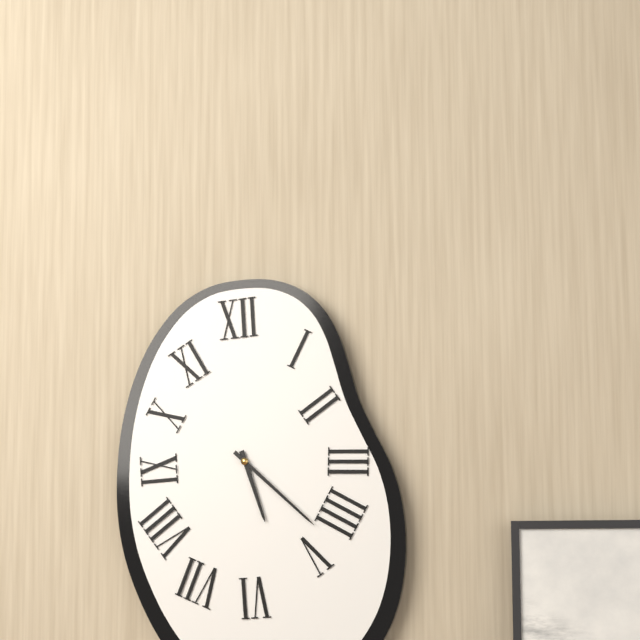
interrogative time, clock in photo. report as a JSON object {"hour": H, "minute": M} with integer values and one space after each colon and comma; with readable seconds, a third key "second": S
{"hour": 5, "minute": 22}
